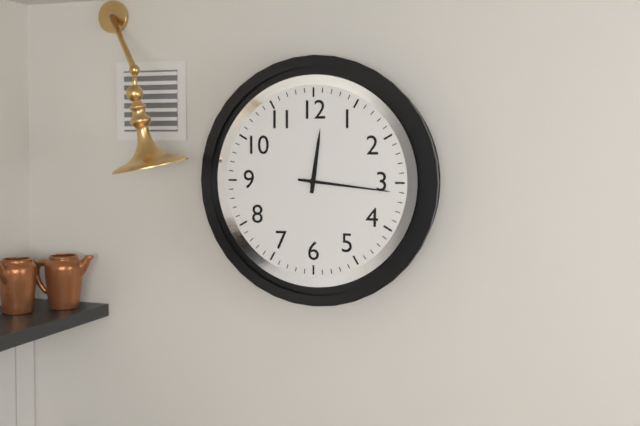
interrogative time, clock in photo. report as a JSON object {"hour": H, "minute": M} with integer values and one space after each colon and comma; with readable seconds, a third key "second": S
{"hour": 12, "minute": 16}
